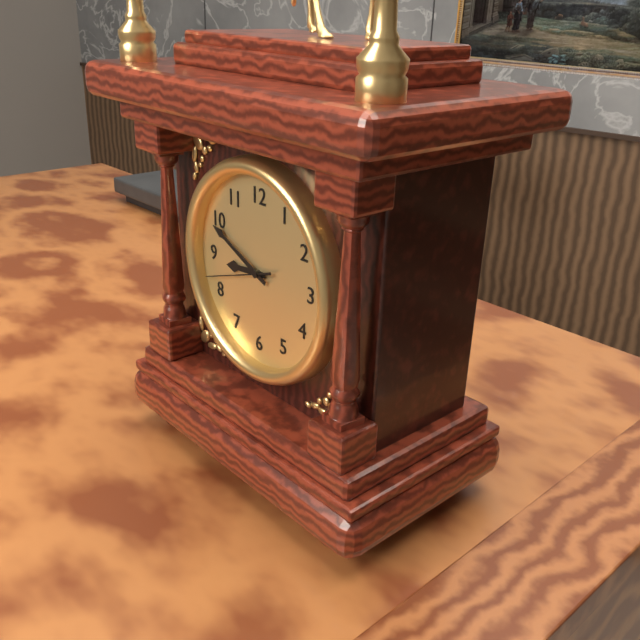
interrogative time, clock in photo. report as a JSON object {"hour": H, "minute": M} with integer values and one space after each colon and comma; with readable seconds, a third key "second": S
{"hour": 8, "minute": 49, "second": 42}
